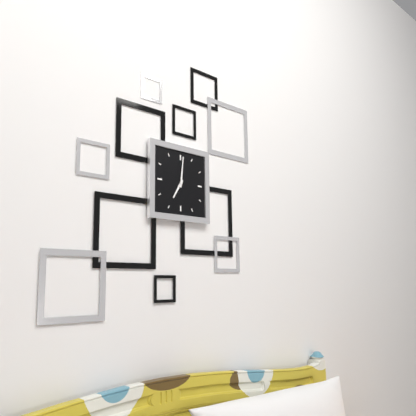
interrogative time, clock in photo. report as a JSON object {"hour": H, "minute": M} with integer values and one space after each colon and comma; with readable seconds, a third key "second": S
{"hour": 7, "minute": 1}
